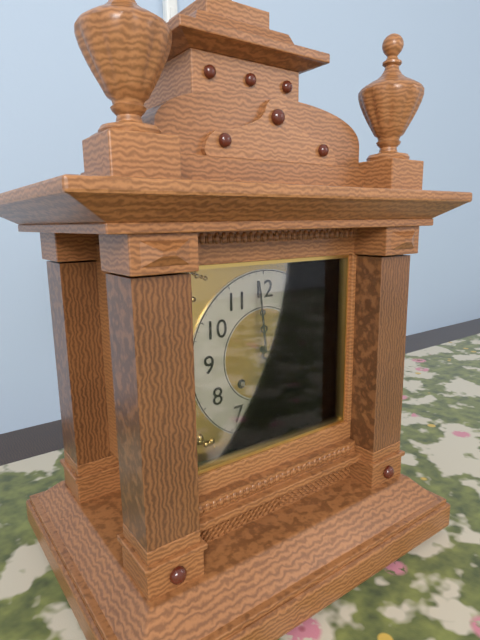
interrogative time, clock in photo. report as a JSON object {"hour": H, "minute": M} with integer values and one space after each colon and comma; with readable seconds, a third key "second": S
{"hour": 4, "minute": 59}
